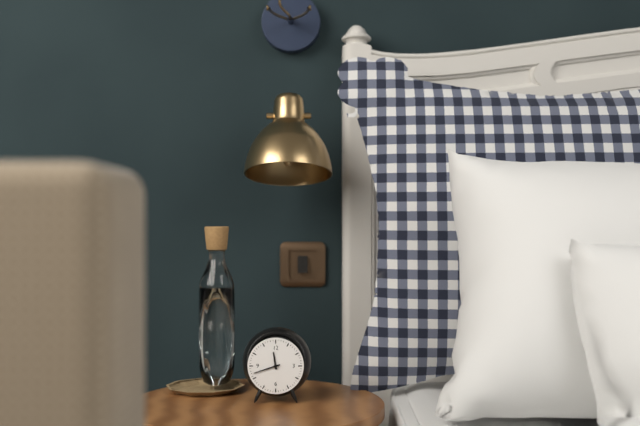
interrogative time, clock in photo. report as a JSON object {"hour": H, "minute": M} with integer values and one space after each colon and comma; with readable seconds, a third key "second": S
{"hour": 11, "minute": 42}
